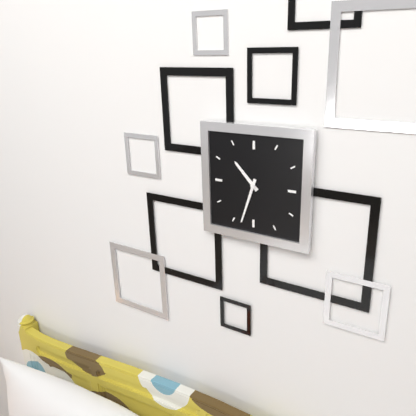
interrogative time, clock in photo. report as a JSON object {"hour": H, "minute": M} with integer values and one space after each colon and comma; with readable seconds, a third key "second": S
{"hour": 10, "minute": 33}
